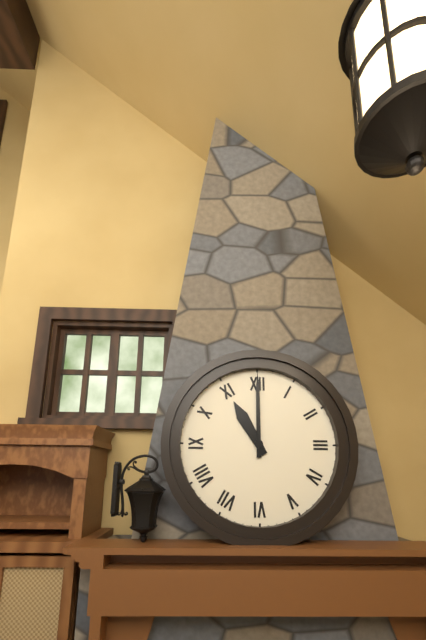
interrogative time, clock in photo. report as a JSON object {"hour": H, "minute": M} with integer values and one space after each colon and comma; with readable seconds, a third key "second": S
{"hour": 11, "minute": 0}
